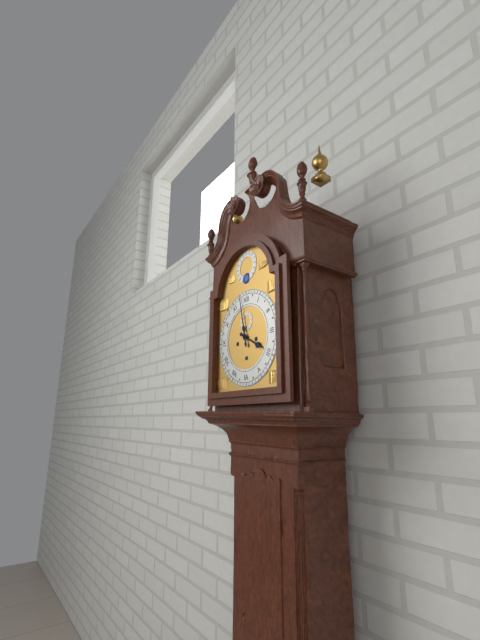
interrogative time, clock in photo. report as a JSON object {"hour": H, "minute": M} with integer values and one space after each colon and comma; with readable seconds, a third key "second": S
{"hour": 3, "minute": 58}
